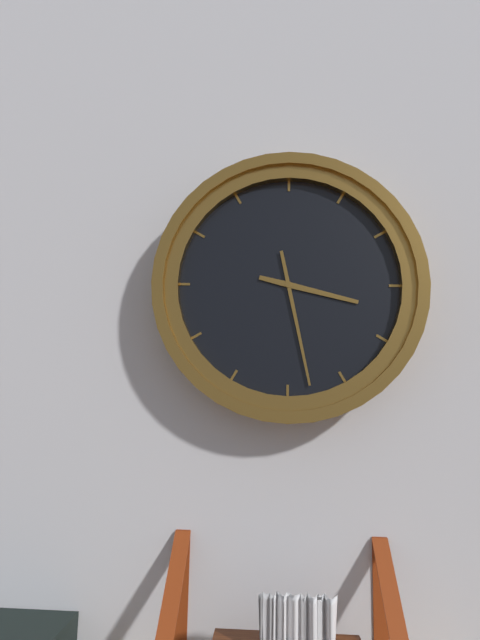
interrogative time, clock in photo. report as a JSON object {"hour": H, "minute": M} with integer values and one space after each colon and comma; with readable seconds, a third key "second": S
{"hour": 3, "minute": 28}
